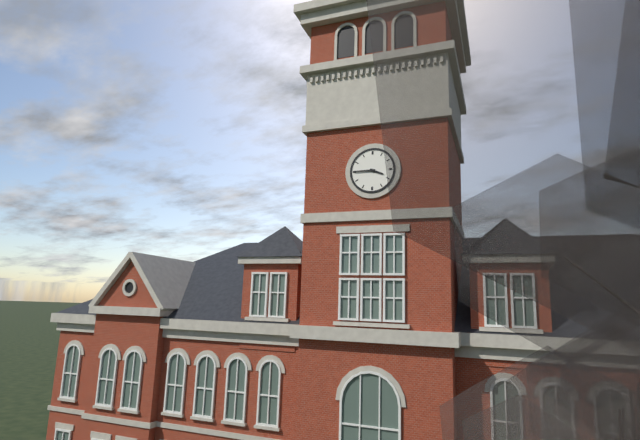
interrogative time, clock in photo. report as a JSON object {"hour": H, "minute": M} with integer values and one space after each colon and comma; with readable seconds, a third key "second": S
{"hour": 3, "minute": 45}
